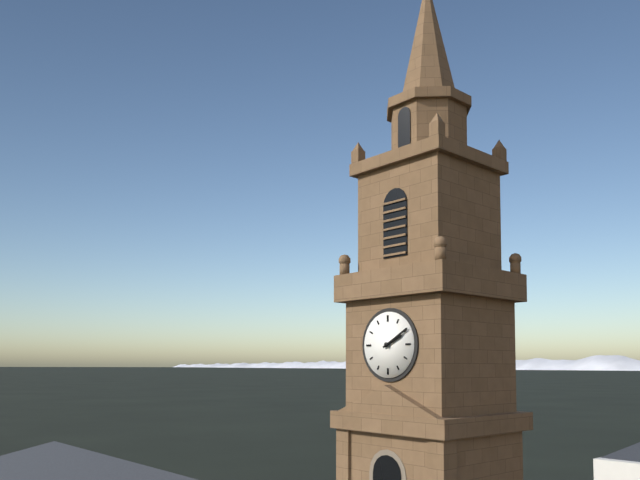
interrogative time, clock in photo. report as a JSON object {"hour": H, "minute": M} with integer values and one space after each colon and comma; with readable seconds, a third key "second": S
{"hour": 2, "minute": 10}
